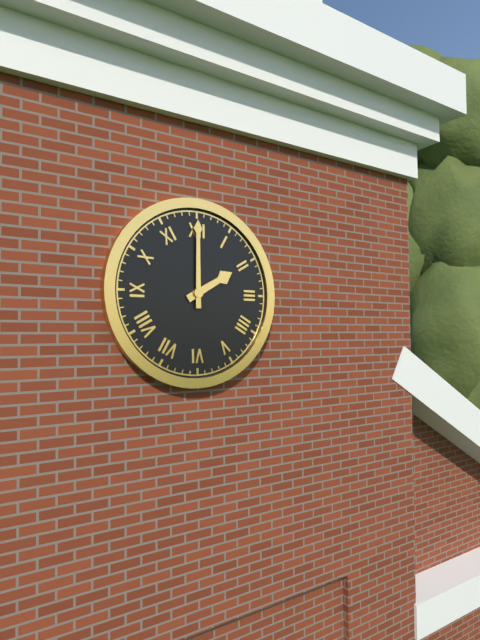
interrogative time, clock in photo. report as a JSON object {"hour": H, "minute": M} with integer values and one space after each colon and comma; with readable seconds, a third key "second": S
{"hour": 2, "minute": 0}
